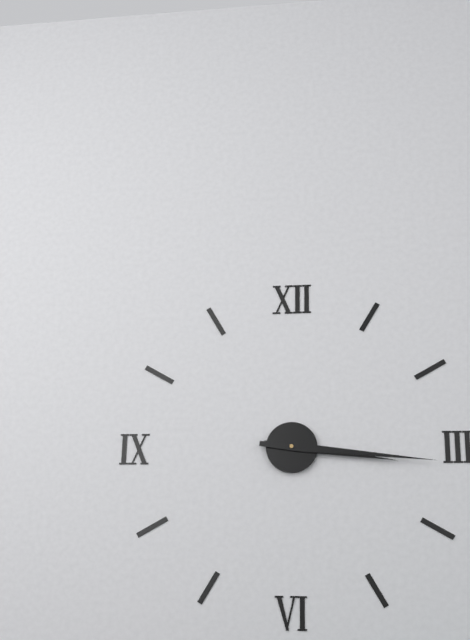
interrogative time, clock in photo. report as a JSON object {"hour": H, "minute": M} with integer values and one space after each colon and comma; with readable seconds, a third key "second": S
{"hour": 3, "minute": 16}
